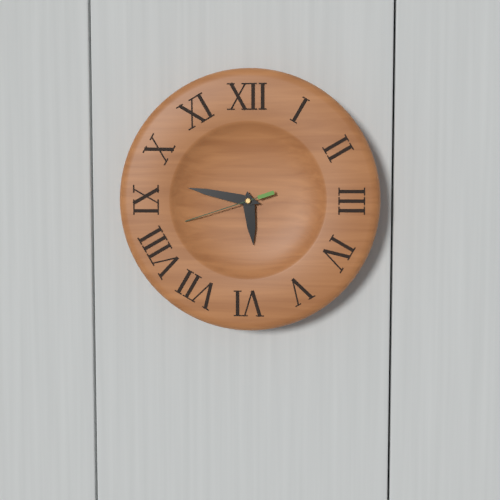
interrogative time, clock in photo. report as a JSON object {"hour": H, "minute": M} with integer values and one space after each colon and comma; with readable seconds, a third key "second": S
{"hour": 5, "minute": 47, "second": 42}
